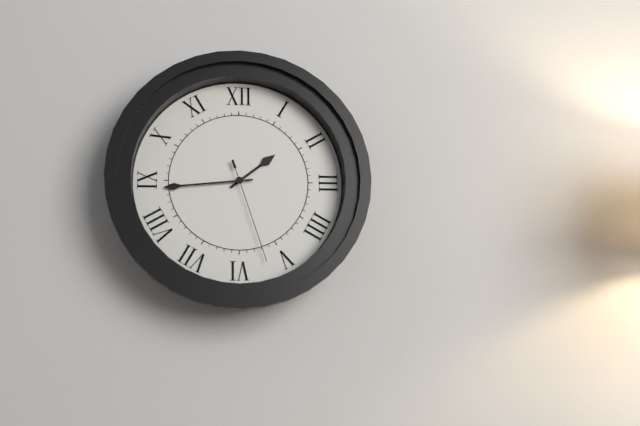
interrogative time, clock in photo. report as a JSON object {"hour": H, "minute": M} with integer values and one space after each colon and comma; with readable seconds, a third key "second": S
{"hour": 1, "minute": 44, "second": 27}
